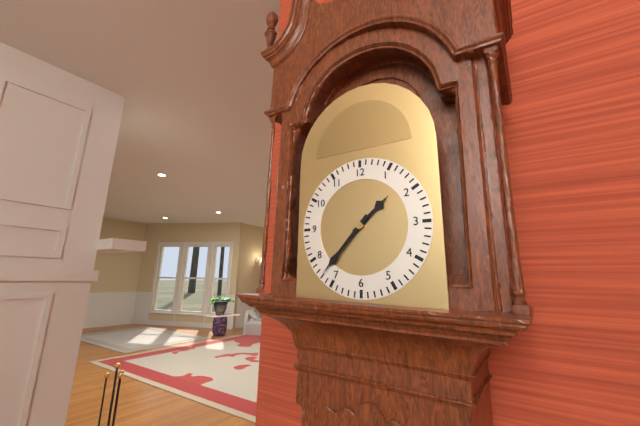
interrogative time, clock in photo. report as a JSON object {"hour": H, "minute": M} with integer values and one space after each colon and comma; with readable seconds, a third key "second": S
{"hour": 1, "minute": 37}
